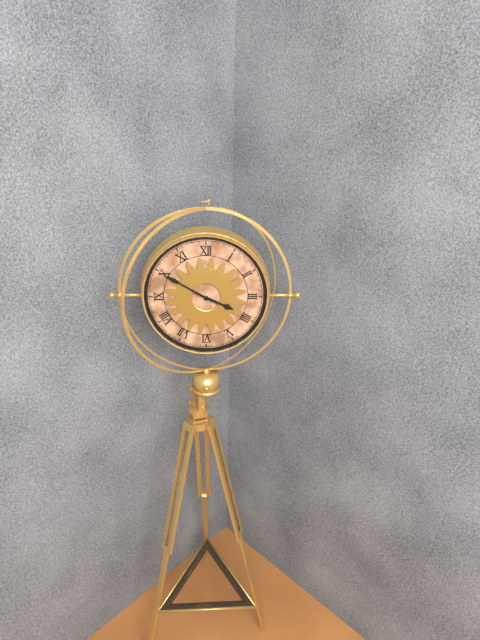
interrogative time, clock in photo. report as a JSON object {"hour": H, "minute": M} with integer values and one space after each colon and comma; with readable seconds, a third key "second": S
{"hour": 3, "minute": 50}
